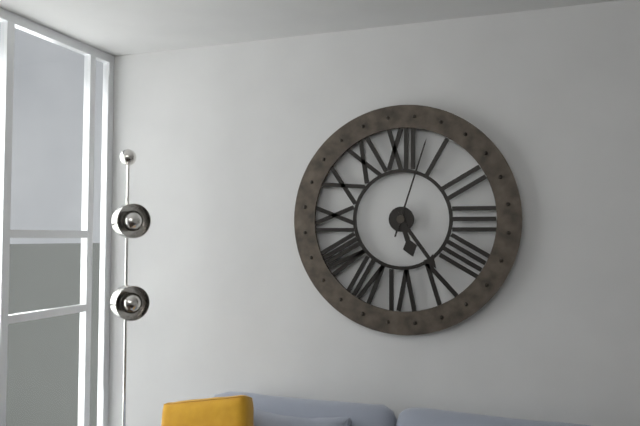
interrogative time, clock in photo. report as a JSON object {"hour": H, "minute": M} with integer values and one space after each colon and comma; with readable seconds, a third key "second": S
{"hour": 5, "minute": 24, "second": 3}
